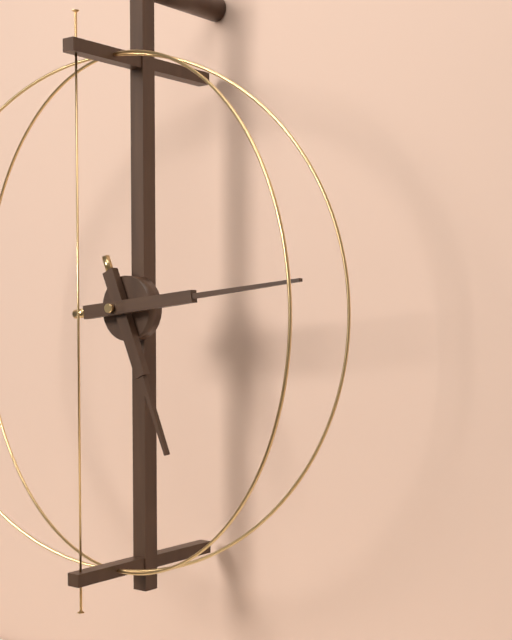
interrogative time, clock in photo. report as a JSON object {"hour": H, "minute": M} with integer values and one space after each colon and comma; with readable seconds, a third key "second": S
{"hour": 5, "minute": 14}
